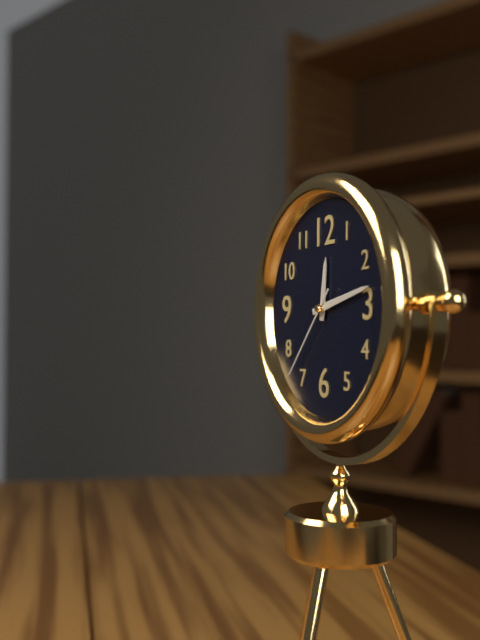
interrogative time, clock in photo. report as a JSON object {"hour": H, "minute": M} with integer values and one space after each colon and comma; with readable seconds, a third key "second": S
{"hour": 12, "minute": 13, "second": 37}
